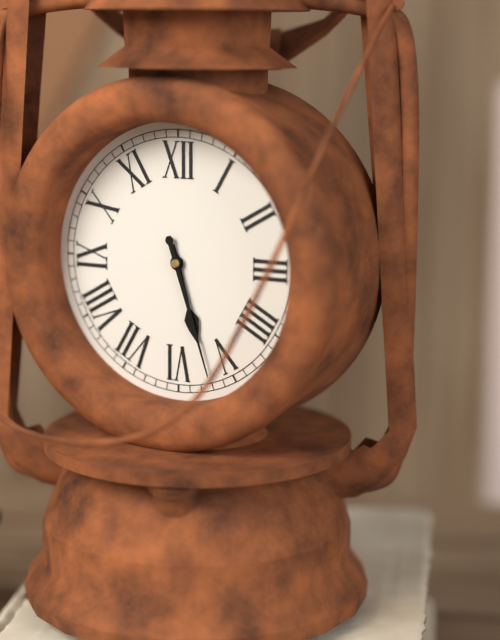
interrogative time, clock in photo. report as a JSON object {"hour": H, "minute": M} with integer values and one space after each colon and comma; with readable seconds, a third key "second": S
{"hour": 5, "minute": 27}
